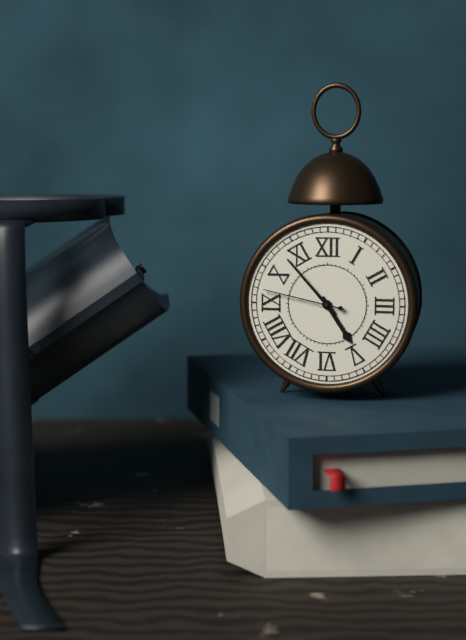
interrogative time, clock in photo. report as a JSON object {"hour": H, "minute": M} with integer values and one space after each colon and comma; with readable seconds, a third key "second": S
{"hour": 4, "minute": 53, "second": 47}
